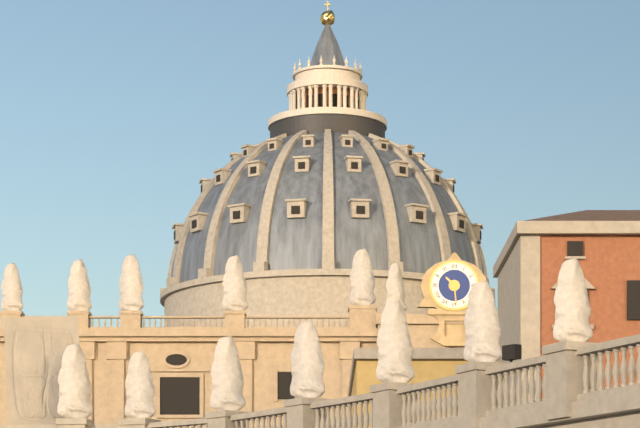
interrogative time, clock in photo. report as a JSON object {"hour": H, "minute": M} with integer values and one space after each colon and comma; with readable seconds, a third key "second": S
{"hour": 10, "minute": 29}
